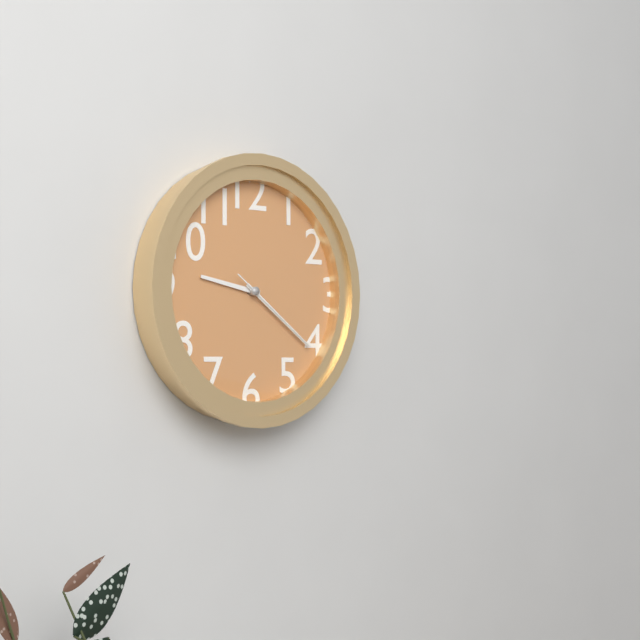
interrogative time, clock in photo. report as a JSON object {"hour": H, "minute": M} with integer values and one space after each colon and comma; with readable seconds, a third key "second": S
{"hour": 9, "minute": 21, "second": 21}
